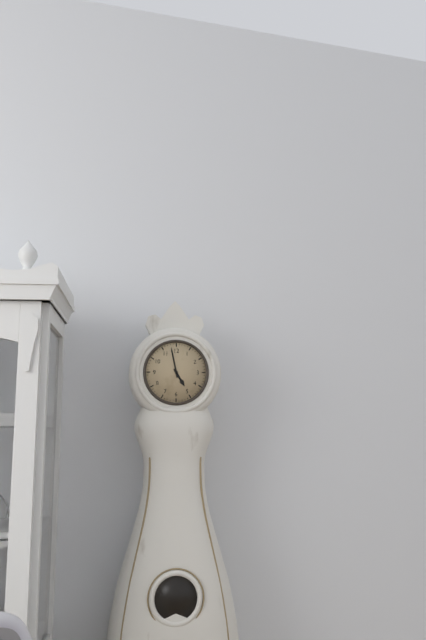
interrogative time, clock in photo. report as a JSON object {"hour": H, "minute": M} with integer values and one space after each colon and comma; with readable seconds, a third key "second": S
{"hour": 4, "minute": 58}
